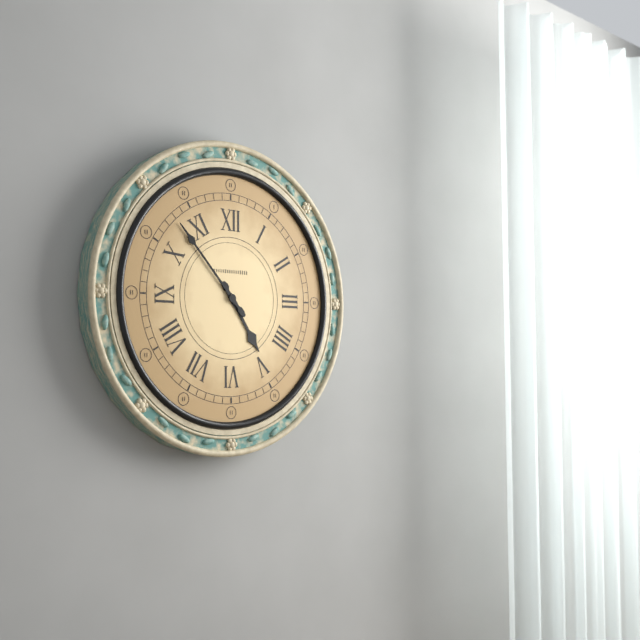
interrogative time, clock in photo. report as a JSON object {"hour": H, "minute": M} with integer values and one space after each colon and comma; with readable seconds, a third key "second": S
{"hour": 4, "minute": 53}
